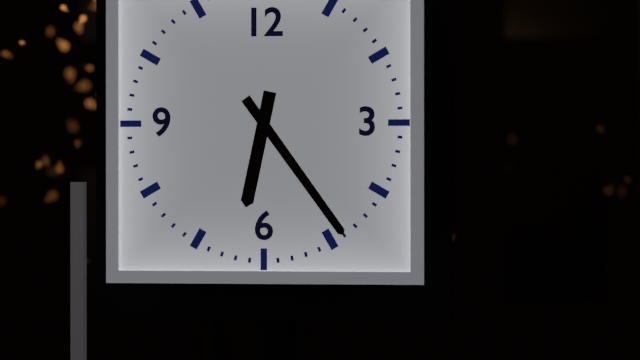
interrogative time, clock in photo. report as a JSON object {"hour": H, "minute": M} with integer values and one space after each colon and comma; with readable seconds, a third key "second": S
{"hour": 6, "minute": 24}
